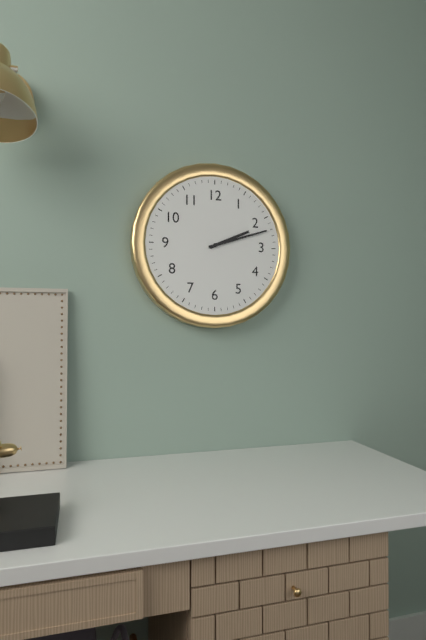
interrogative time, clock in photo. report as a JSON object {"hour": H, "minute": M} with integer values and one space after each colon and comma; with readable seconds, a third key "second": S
{"hour": 2, "minute": 12}
